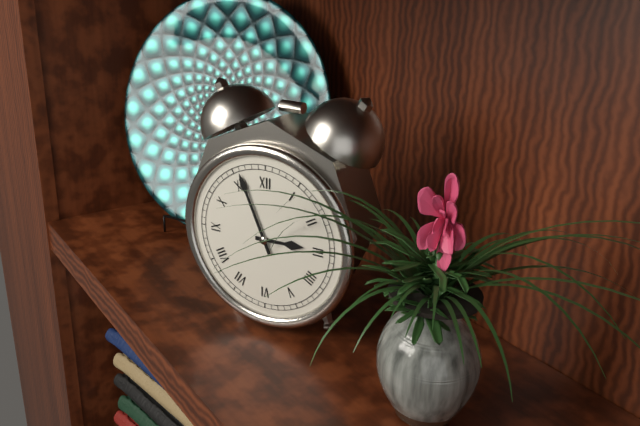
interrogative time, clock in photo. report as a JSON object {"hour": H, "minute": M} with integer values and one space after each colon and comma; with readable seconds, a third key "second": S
{"hour": 2, "minute": 56}
